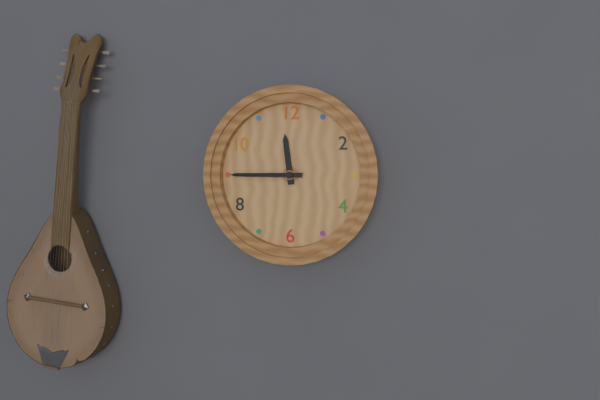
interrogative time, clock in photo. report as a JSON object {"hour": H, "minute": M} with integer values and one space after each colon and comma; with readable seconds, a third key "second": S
{"hour": 11, "minute": 45}
